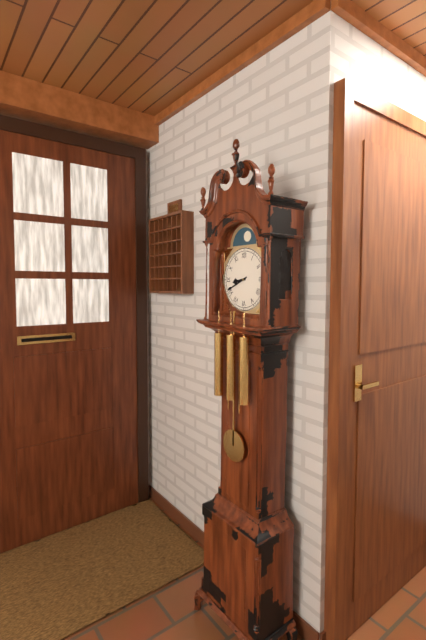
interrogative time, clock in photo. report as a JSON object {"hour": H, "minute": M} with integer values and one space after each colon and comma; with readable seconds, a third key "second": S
{"hour": 8, "minute": 41}
